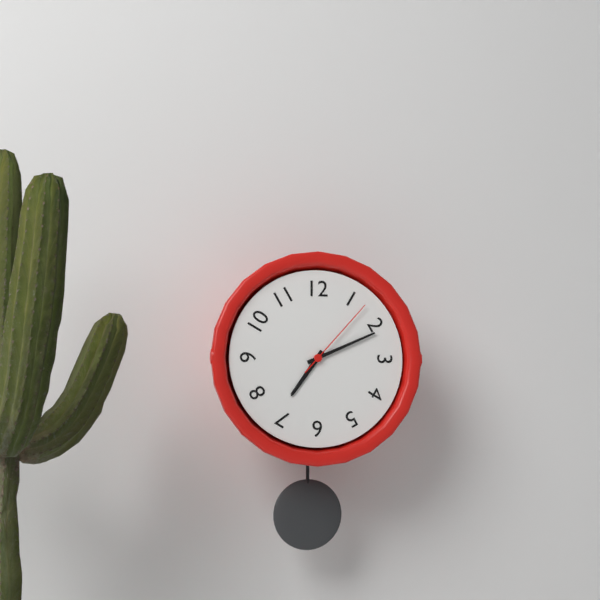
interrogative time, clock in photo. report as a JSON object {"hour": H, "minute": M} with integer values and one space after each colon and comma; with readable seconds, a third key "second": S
{"hour": 7, "minute": 11, "second": 7}
